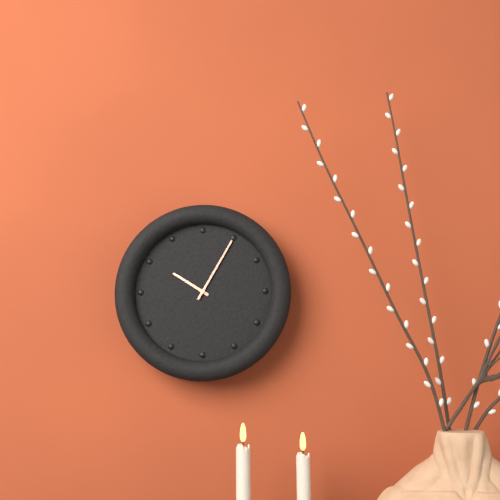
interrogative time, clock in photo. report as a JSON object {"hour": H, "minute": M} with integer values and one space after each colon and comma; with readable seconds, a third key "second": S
{"hour": 10, "minute": 5}
